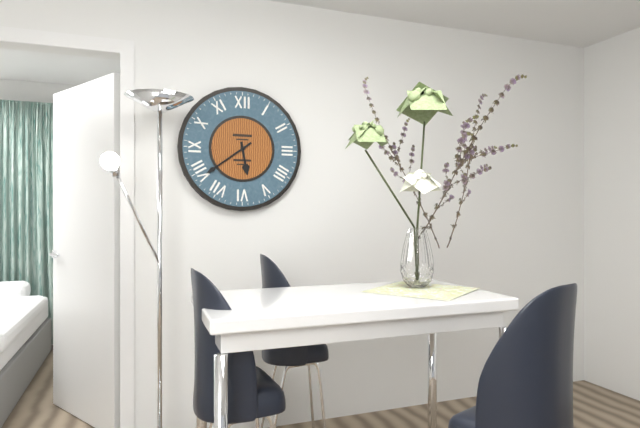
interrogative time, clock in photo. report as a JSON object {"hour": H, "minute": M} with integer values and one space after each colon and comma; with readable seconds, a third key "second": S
{"hour": 5, "minute": 39}
